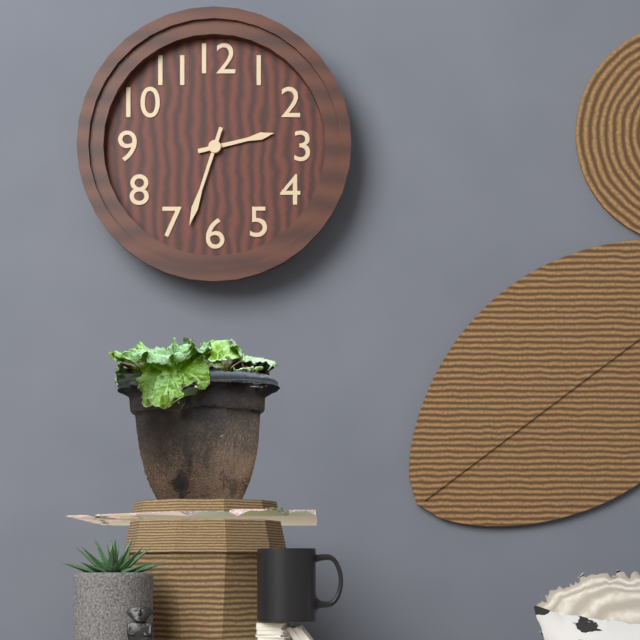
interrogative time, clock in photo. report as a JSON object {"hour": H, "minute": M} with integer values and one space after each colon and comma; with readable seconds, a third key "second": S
{"hour": 2, "minute": 33}
